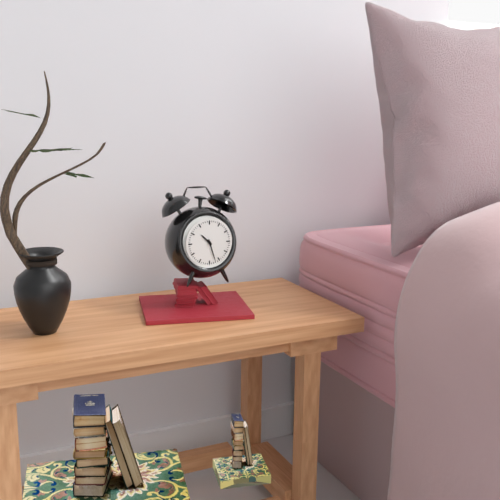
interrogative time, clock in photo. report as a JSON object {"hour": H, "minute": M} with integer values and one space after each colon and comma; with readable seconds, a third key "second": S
{"hour": 10, "minute": 27}
